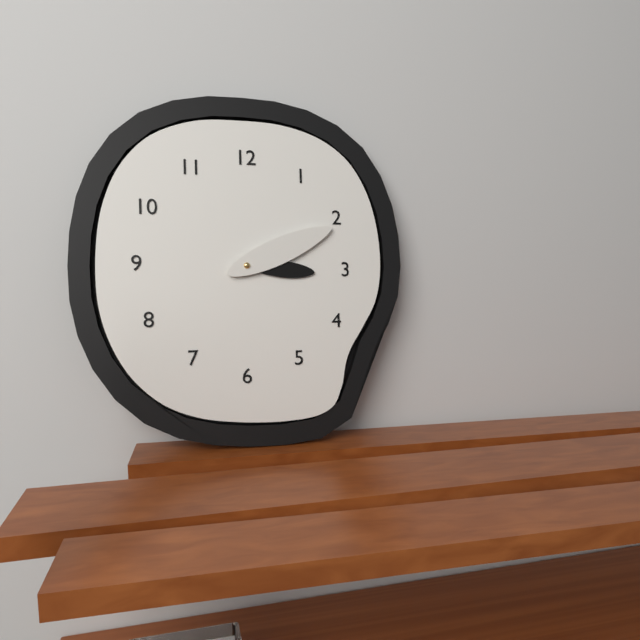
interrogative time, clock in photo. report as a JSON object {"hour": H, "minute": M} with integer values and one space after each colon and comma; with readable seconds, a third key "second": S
{"hour": 3, "minute": 11}
